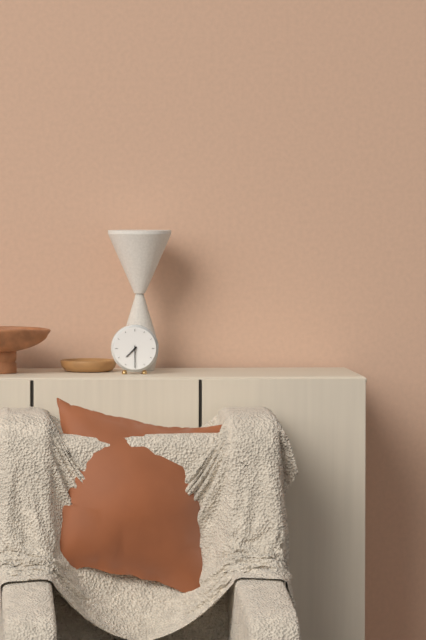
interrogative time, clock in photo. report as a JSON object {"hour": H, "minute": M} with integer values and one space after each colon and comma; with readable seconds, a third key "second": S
{"hour": 7, "minute": 30}
